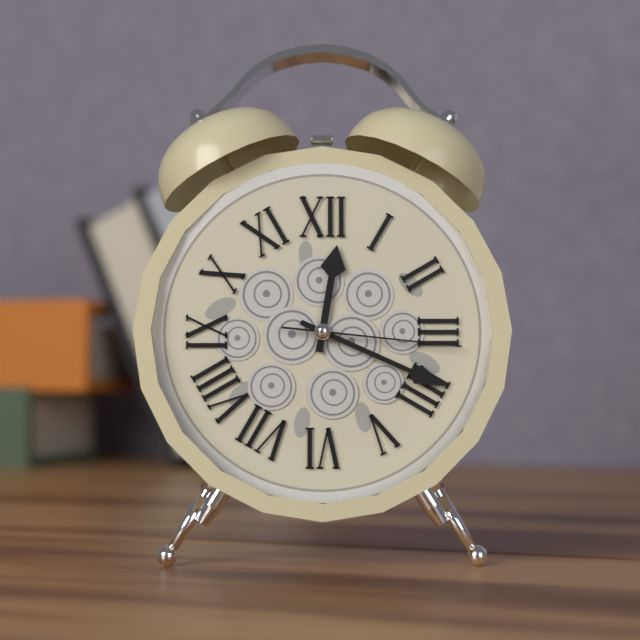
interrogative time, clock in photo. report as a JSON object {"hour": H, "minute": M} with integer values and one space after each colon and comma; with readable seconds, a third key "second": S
{"hour": 12, "minute": 19, "second": 16}
